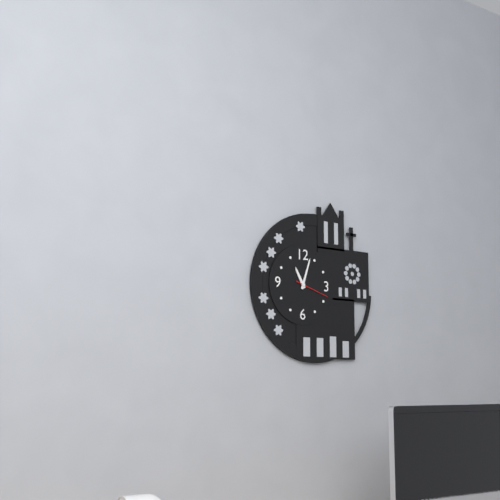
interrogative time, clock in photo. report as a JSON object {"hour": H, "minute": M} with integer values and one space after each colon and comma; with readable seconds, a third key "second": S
{"hour": 11, "minute": 3}
